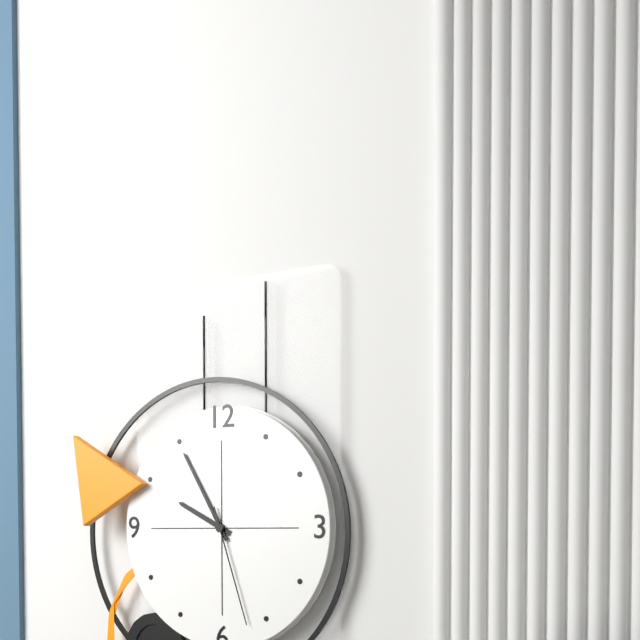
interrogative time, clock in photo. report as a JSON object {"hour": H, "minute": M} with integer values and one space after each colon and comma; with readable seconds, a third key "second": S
{"hour": 9, "minute": 55, "second": 27}
